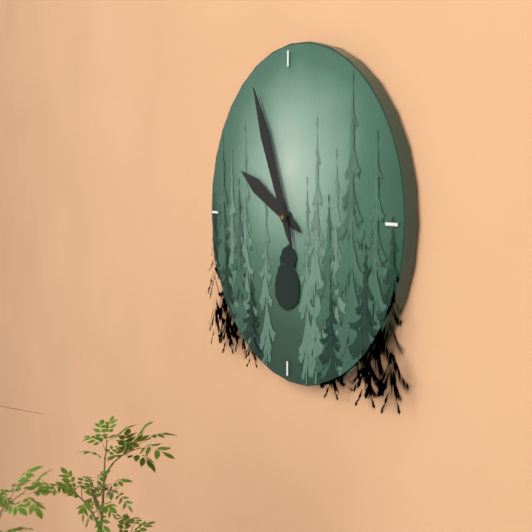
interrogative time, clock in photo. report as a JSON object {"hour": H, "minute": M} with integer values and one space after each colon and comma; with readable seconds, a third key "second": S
{"hour": 9, "minute": 56}
